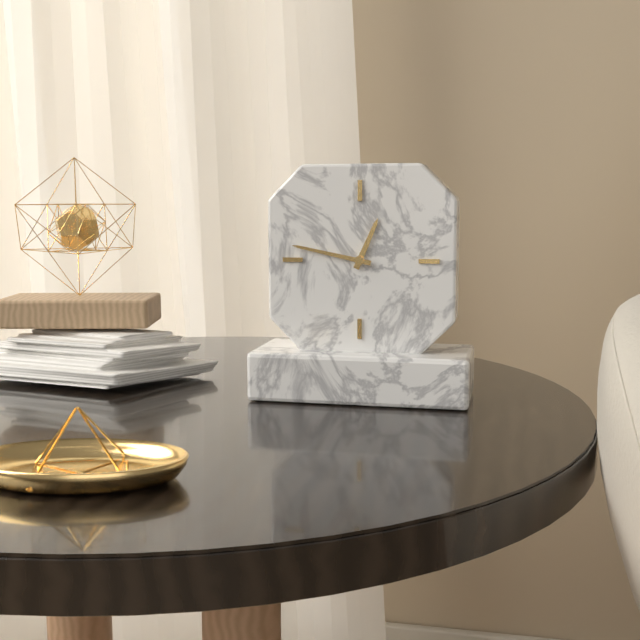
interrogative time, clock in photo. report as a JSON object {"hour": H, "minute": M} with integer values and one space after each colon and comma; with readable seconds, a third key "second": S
{"hour": 12, "minute": 47}
